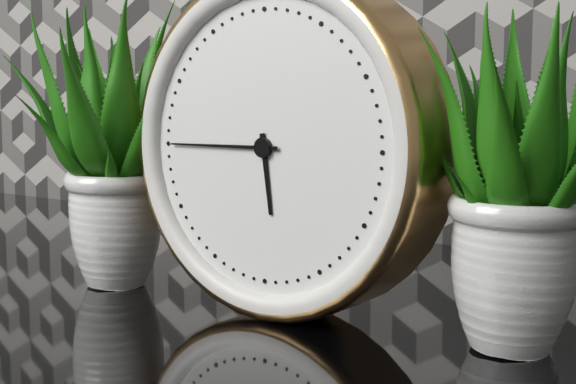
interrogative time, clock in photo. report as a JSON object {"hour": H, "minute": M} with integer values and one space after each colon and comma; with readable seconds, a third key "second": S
{"hour": 5, "minute": 45}
